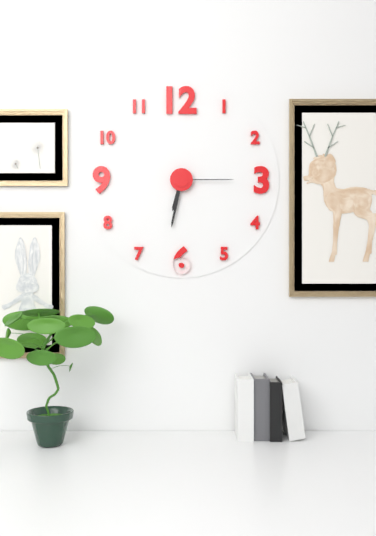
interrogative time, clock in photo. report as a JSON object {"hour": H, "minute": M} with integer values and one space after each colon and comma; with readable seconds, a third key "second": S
{"hour": 6, "minute": 32, "second": 15}
